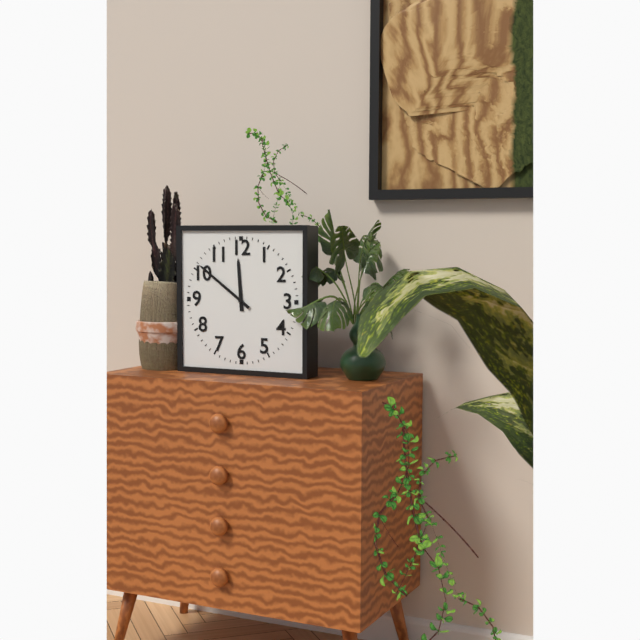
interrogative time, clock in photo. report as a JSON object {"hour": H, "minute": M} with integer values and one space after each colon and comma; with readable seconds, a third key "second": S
{"hour": 11, "minute": 51}
